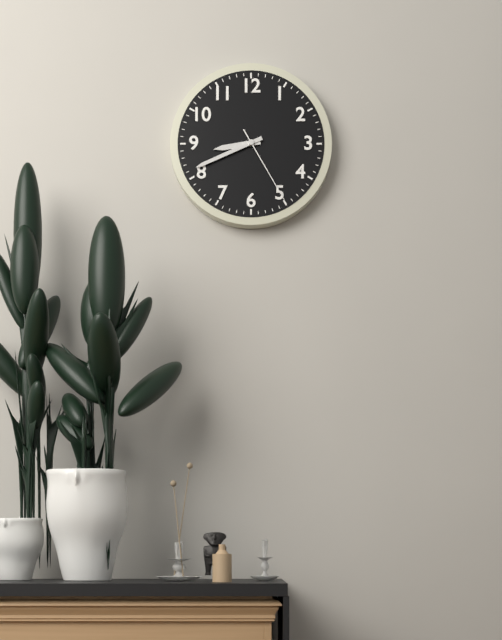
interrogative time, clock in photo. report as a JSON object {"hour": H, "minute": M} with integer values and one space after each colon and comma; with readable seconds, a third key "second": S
{"hour": 8, "minute": 41, "second": 25}
